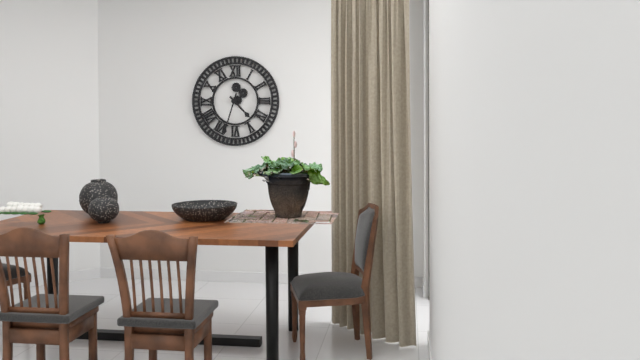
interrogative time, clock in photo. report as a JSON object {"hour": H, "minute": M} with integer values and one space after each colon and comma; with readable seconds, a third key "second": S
{"hour": 4, "minute": 33}
